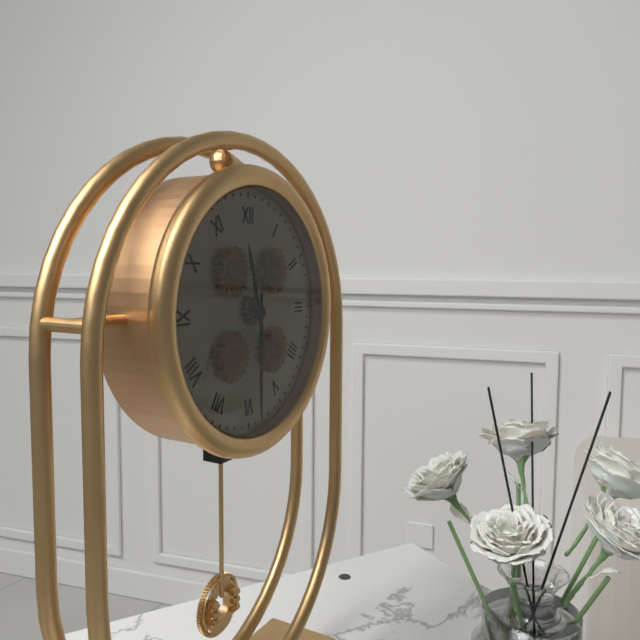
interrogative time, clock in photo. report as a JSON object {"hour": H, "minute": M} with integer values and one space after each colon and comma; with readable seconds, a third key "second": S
{"hour": 11, "minute": 30}
